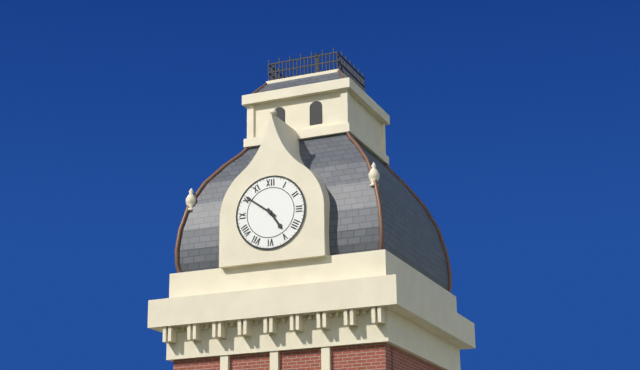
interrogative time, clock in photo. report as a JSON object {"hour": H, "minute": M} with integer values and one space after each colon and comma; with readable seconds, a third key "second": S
{"hour": 4, "minute": 51}
